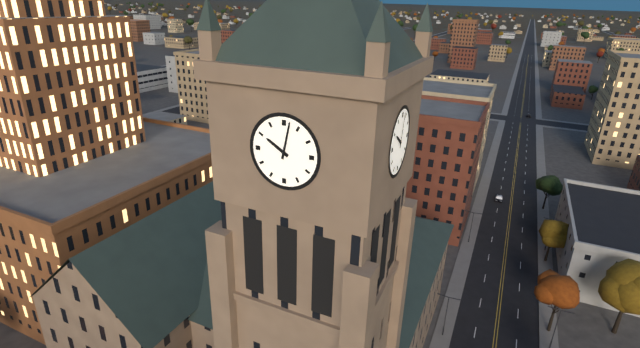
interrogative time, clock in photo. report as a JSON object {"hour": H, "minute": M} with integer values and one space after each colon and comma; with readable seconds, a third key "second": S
{"hour": 10, "minute": 2}
